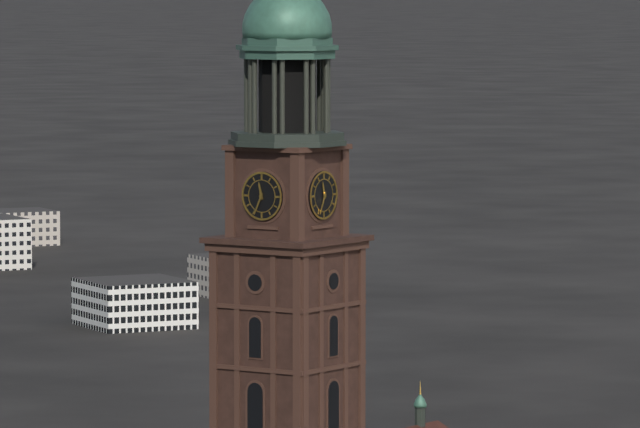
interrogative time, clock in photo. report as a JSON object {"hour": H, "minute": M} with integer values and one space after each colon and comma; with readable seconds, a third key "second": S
{"hour": 11, "minute": 34}
